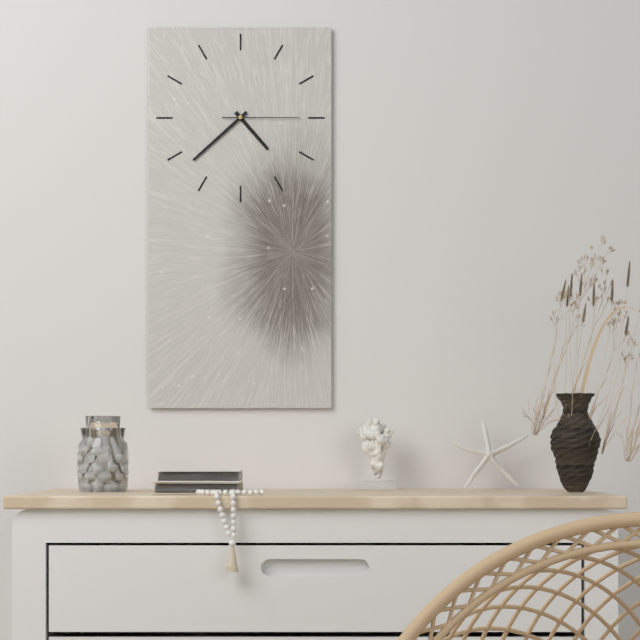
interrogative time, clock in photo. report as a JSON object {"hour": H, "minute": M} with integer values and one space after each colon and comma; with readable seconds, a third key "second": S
{"hour": 4, "minute": 38, "second": 15}
